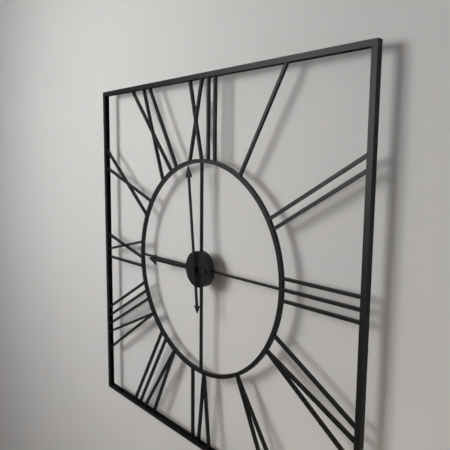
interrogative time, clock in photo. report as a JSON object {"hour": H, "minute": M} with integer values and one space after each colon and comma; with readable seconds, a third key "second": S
{"hour": 8, "minute": 59}
